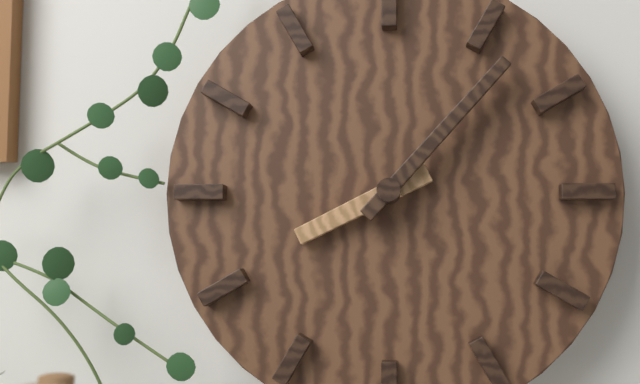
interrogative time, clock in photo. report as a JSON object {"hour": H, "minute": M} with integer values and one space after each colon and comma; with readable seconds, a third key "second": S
{"hour": 8, "minute": 7}
